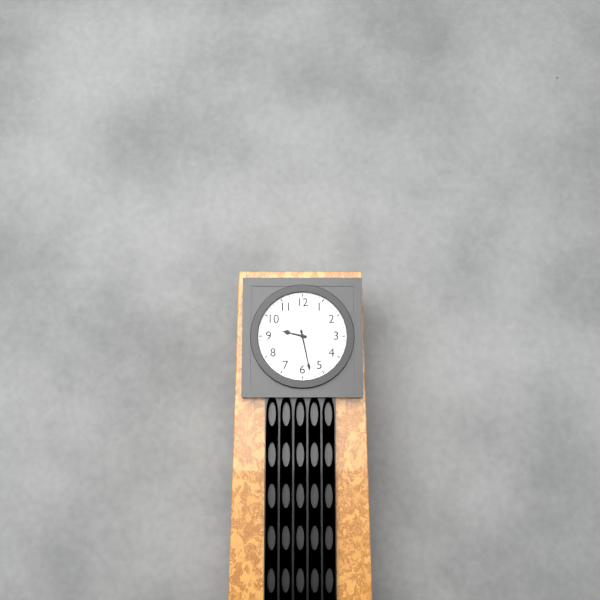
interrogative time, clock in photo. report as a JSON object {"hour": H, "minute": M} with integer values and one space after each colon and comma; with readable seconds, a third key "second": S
{"hour": 9, "minute": 28}
